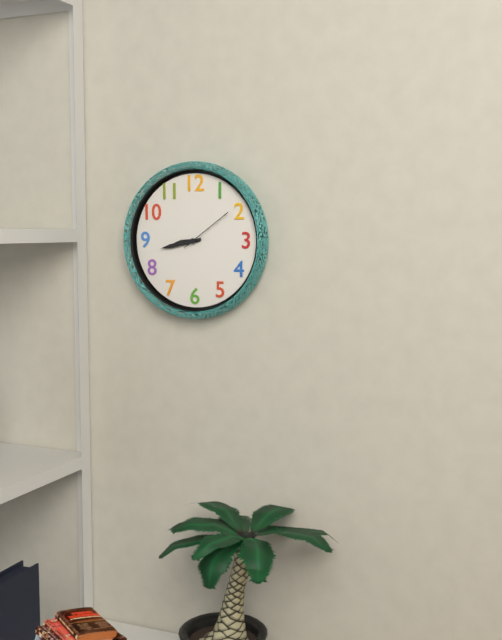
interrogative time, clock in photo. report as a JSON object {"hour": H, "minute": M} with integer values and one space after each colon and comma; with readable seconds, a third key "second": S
{"hour": 8, "minute": 43, "second": 9}
